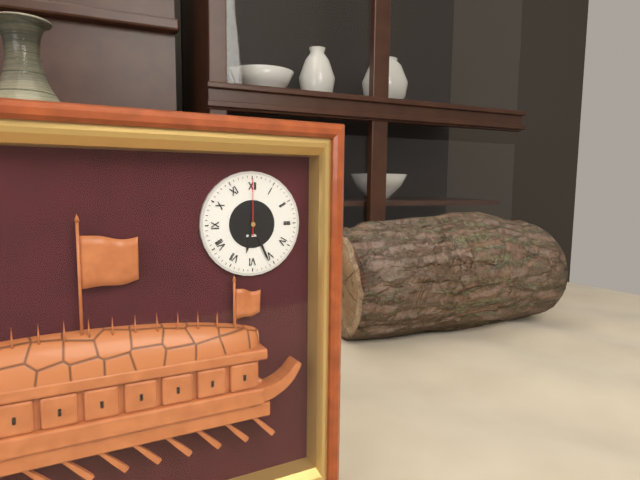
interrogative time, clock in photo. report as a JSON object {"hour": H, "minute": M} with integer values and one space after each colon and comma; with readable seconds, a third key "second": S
{"hour": 6, "minute": 26, "second": 0}
